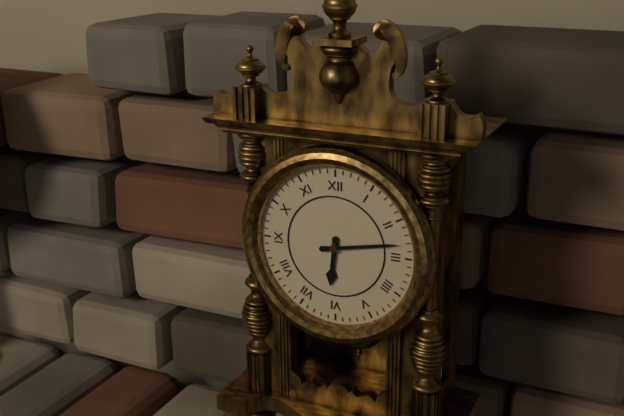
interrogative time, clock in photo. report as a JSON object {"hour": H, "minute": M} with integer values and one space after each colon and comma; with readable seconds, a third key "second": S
{"hour": 6, "minute": 13}
